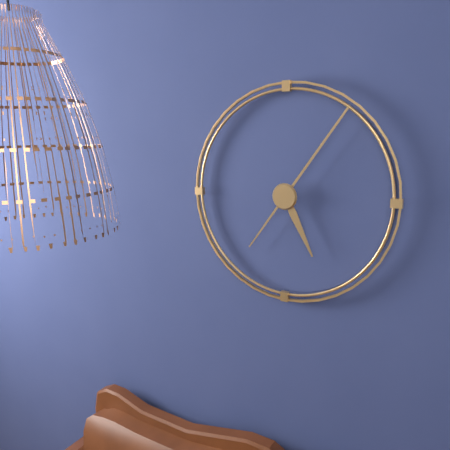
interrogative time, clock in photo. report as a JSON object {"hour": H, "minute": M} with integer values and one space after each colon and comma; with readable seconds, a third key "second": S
{"hour": 5, "minute": 6}
